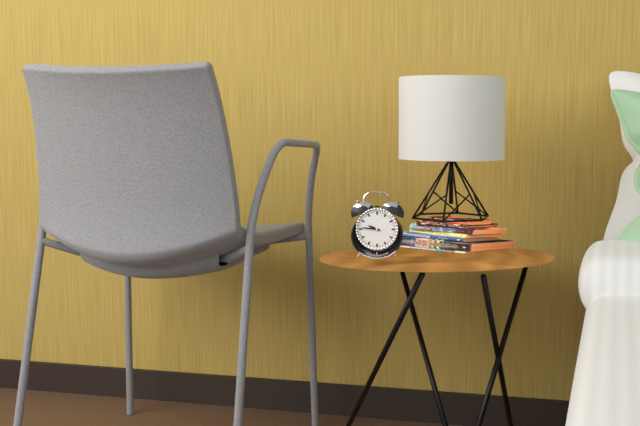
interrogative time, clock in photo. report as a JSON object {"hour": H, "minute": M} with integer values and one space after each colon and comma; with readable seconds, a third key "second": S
{"hour": 9, "minute": 46}
